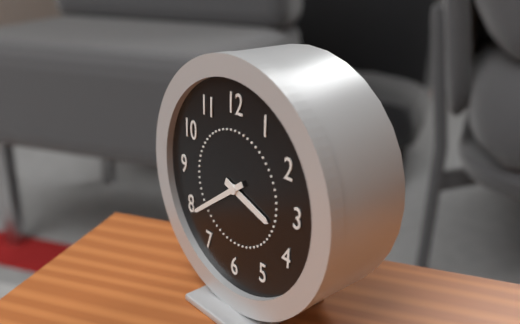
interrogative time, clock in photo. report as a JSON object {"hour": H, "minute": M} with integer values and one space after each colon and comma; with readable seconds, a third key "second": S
{"hour": 3, "minute": 39}
